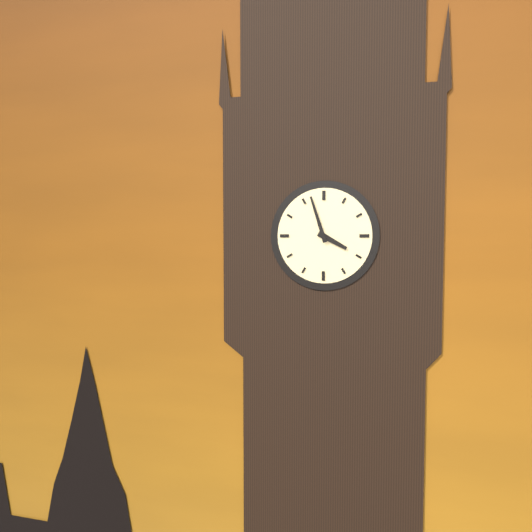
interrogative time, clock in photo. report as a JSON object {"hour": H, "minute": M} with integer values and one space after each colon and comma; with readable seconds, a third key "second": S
{"hour": 3, "minute": 57}
